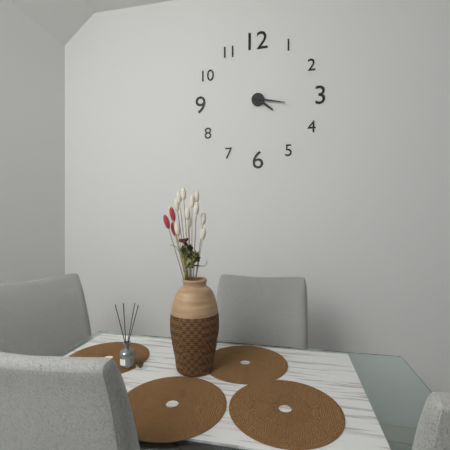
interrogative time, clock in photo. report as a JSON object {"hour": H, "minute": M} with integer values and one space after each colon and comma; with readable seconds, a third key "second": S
{"hour": 4, "minute": 17}
